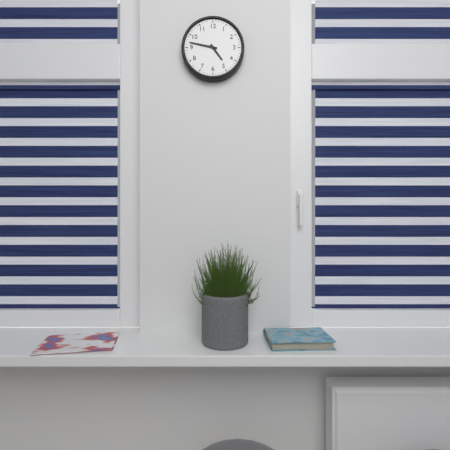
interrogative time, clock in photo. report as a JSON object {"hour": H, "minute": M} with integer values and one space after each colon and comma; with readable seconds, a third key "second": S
{"hour": 4, "minute": 47}
